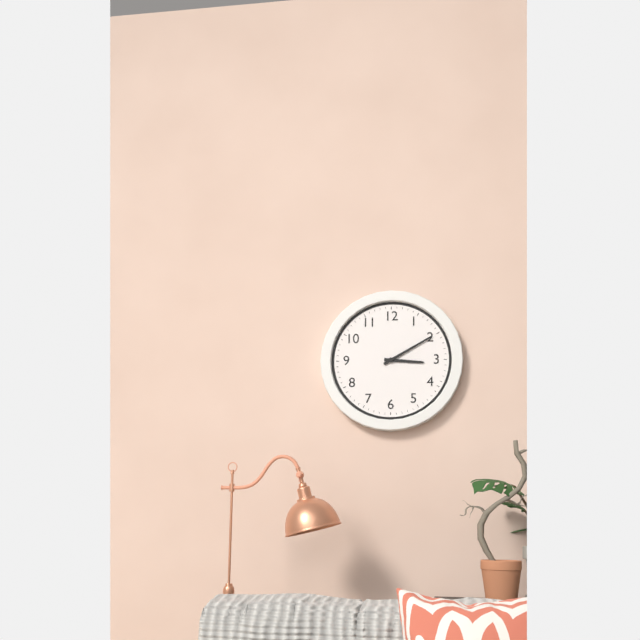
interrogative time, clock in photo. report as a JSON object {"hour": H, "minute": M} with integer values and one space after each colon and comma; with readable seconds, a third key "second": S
{"hour": 3, "minute": 10}
